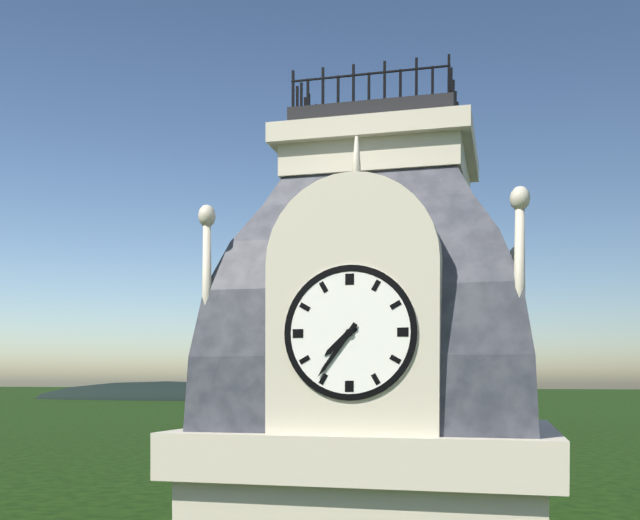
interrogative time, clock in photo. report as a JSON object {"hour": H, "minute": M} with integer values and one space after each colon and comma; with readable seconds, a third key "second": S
{"hour": 7, "minute": 36}
